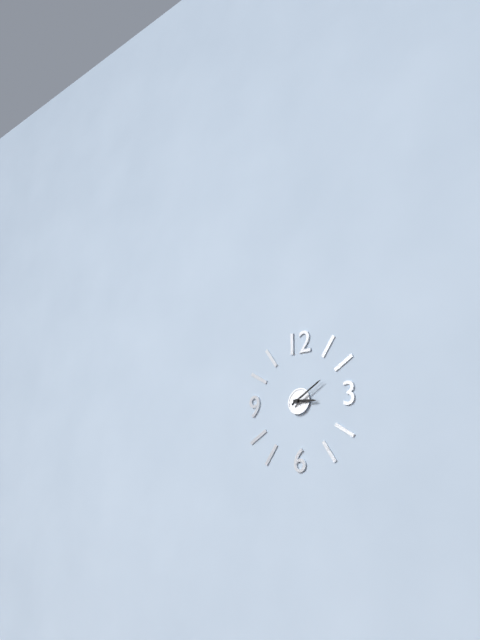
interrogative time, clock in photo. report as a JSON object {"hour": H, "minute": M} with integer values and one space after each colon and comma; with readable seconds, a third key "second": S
{"hour": 3, "minute": 10}
